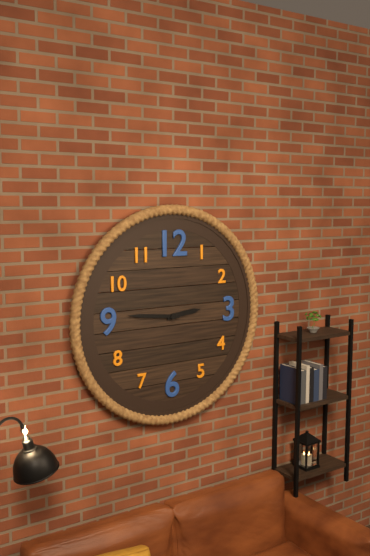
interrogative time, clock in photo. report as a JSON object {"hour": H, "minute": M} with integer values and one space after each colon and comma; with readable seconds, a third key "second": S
{"hour": 2, "minute": 46}
